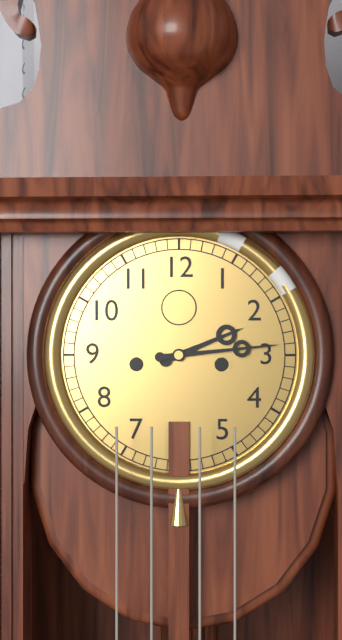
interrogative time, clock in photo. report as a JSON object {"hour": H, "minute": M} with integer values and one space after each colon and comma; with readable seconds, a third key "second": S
{"hour": 2, "minute": 14}
